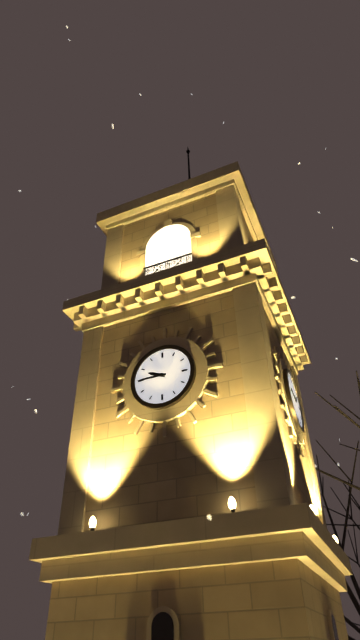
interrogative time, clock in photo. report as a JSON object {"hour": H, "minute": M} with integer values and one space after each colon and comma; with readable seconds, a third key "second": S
{"hour": 9, "minute": 45}
